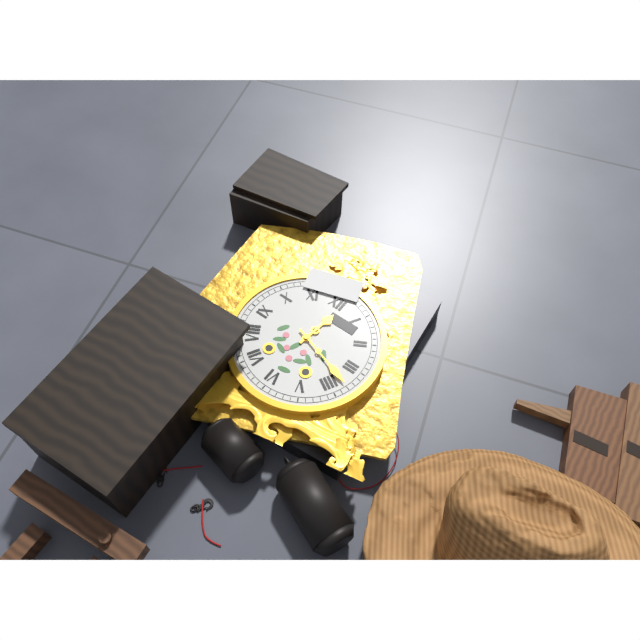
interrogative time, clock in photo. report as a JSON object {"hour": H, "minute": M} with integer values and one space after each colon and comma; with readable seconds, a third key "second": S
{"hour": 12, "minute": 18}
